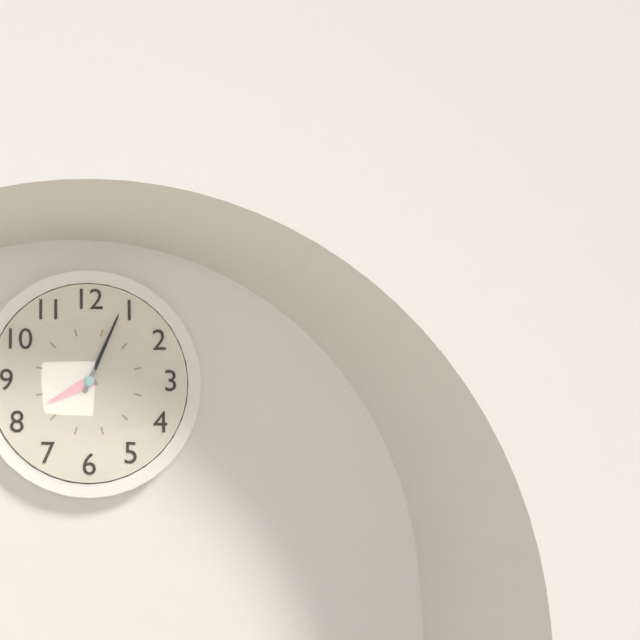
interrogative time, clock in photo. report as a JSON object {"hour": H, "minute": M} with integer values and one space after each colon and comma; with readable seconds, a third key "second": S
{"hour": 8, "minute": 4}
